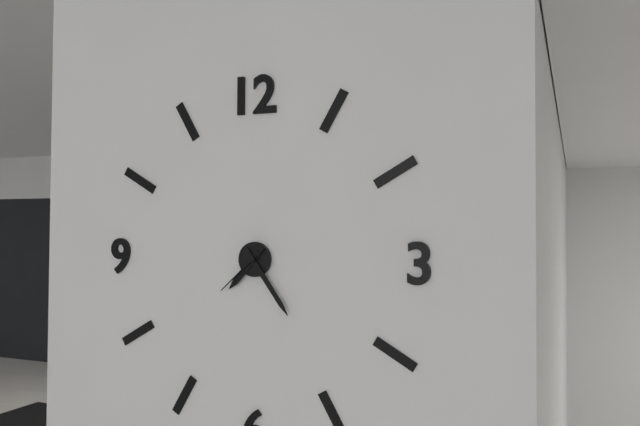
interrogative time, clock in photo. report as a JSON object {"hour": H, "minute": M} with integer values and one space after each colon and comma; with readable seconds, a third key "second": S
{"hour": 7, "minute": 24, "second": 38}
